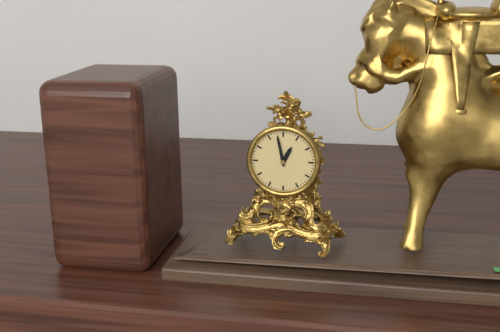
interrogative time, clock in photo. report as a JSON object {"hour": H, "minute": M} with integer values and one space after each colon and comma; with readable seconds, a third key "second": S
{"hour": 12, "minute": 58}
